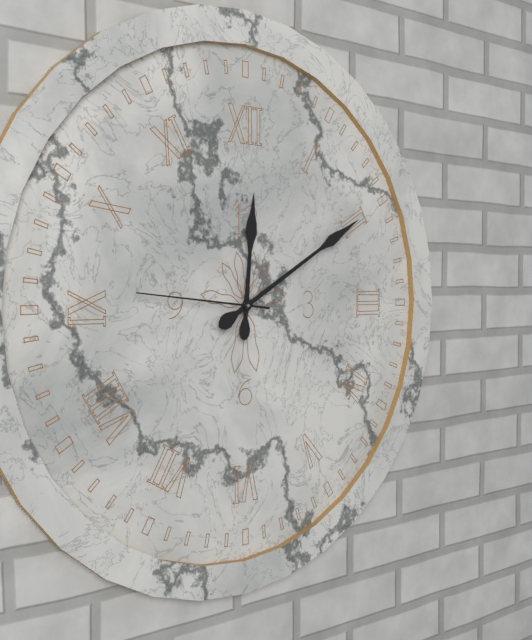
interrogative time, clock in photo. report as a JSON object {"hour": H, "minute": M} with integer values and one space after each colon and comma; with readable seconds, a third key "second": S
{"hour": 12, "minute": 10, "second": 46}
